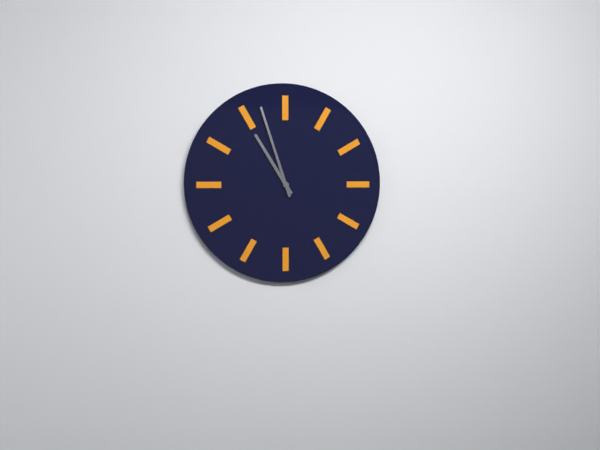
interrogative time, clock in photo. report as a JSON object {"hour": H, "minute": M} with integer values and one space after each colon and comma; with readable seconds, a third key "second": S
{"hour": 10, "minute": 57}
